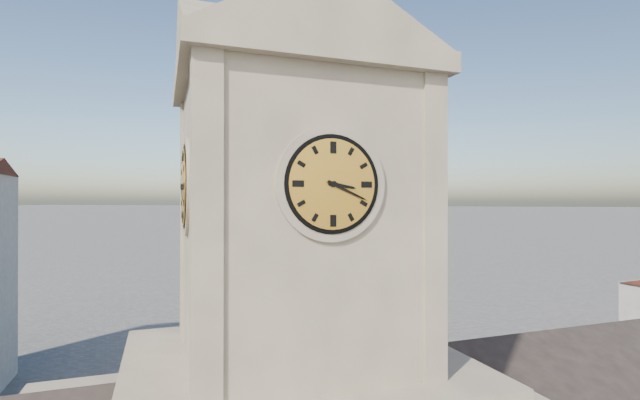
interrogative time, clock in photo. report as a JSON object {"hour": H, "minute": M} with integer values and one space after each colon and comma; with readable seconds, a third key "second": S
{"hour": 3, "minute": 19}
